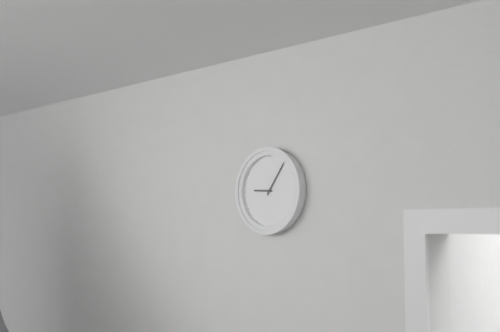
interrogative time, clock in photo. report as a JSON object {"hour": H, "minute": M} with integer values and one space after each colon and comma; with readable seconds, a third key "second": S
{"hour": 9, "minute": 6}
